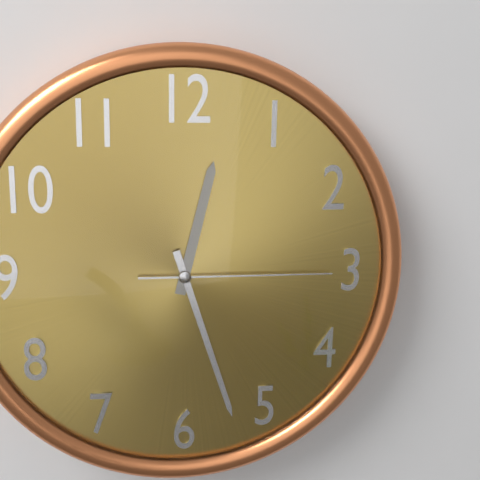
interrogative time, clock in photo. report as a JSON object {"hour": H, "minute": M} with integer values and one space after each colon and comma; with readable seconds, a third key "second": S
{"hour": 12, "minute": 27, "second": 15}
